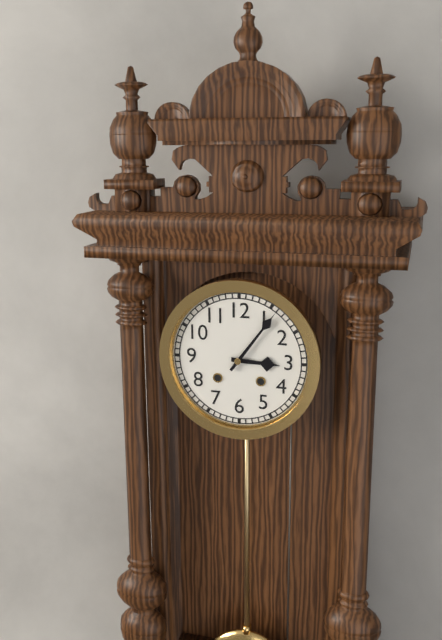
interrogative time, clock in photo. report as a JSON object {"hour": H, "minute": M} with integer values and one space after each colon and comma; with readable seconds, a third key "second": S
{"hour": 3, "minute": 6}
